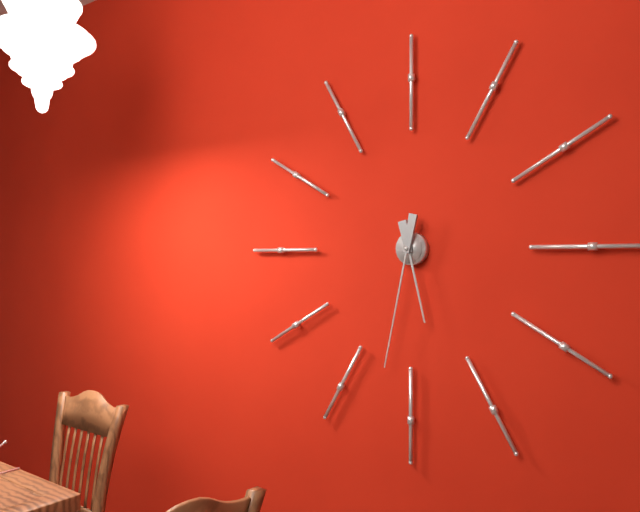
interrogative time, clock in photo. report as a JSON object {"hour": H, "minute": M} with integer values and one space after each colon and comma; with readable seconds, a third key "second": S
{"hour": 5, "minute": 32}
